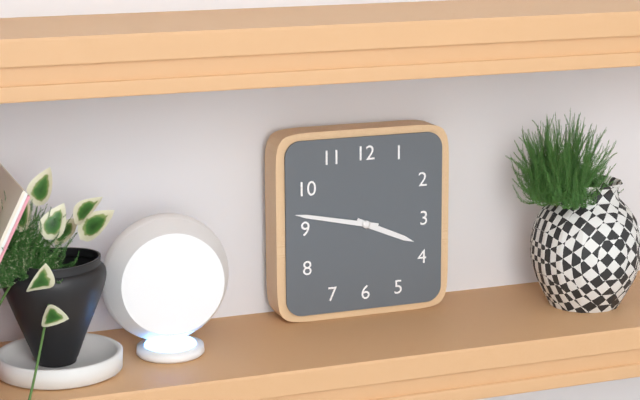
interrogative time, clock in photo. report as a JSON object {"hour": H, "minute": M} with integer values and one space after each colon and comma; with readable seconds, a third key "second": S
{"hour": 3, "minute": 47}
